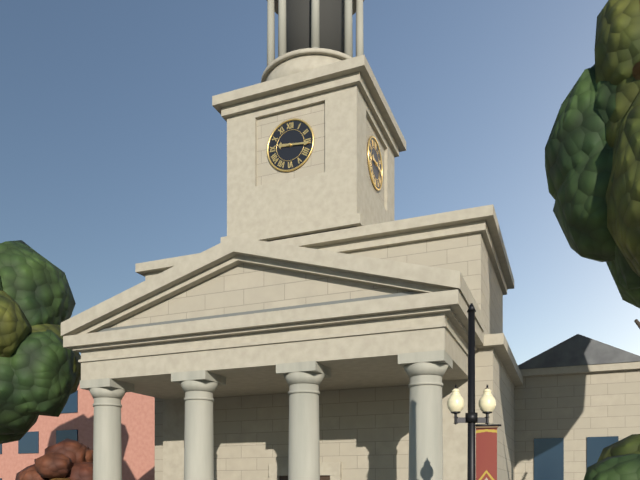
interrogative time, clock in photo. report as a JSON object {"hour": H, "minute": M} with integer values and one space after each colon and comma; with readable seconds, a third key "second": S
{"hour": 9, "minute": 16}
